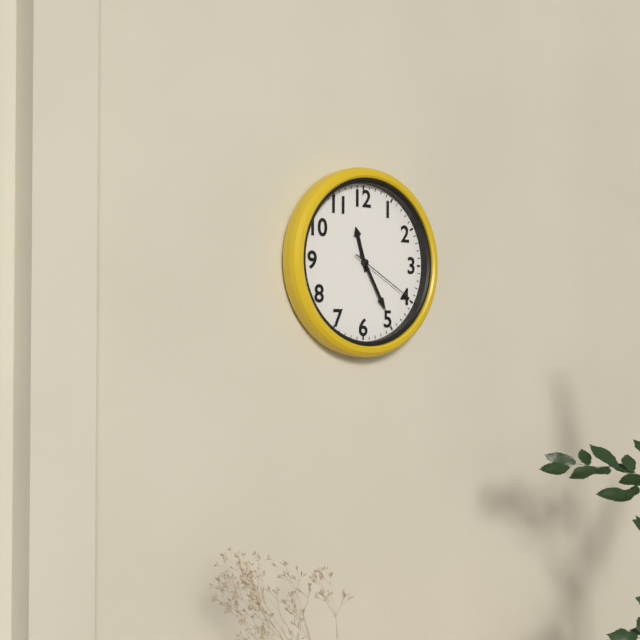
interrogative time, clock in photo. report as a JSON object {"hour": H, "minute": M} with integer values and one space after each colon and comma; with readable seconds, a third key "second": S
{"hour": 11, "minute": 25, "second": 20}
